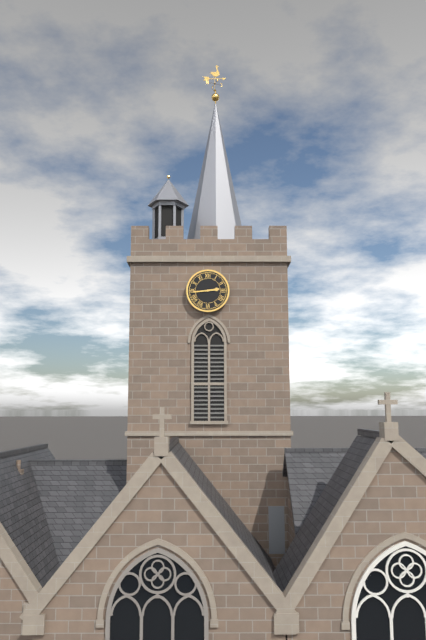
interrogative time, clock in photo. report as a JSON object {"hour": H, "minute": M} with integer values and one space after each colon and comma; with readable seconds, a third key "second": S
{"hour": 2, "minute": 44}
